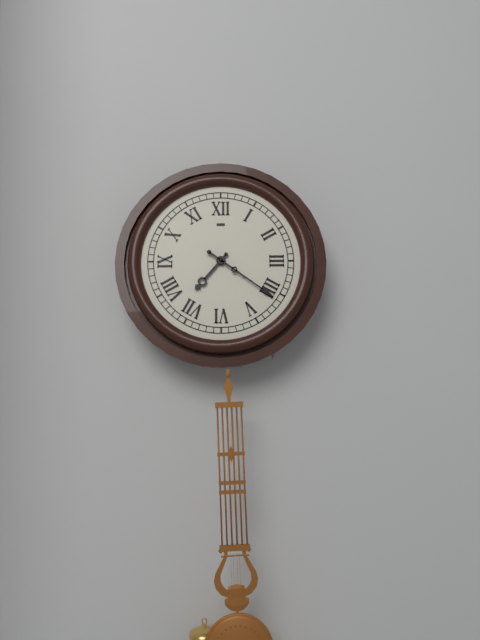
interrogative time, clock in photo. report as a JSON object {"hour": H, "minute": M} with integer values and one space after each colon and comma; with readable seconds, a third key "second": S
{"hour": 7, "minute": 21}
